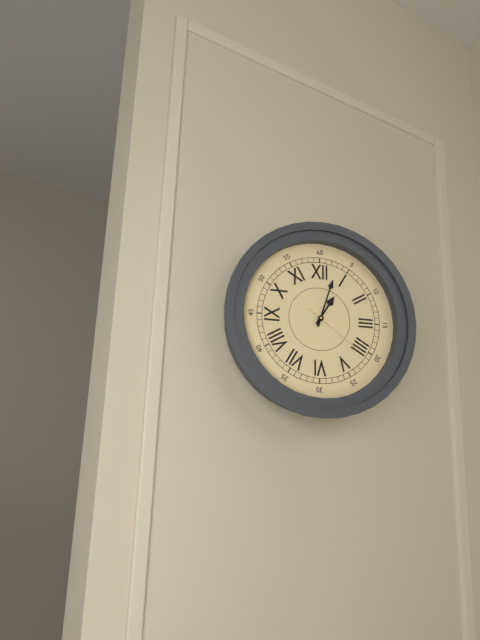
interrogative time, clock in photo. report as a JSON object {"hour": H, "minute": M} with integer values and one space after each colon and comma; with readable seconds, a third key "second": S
{"hour": 1, "minute": 3, "second": 21}
